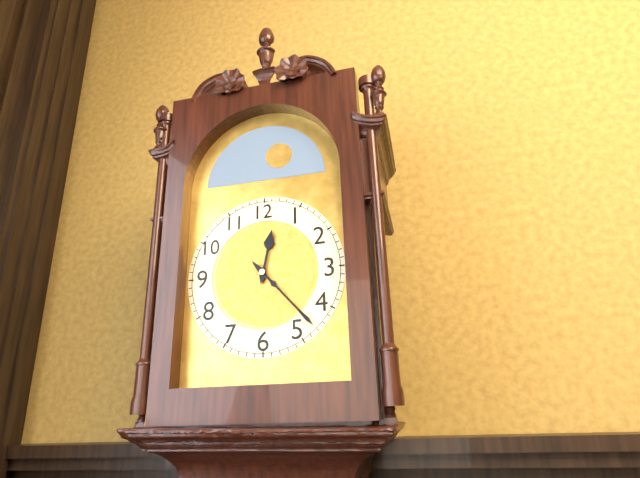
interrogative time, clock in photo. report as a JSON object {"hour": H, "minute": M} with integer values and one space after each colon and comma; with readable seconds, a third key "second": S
{"hour": 12, "minute": 23}
